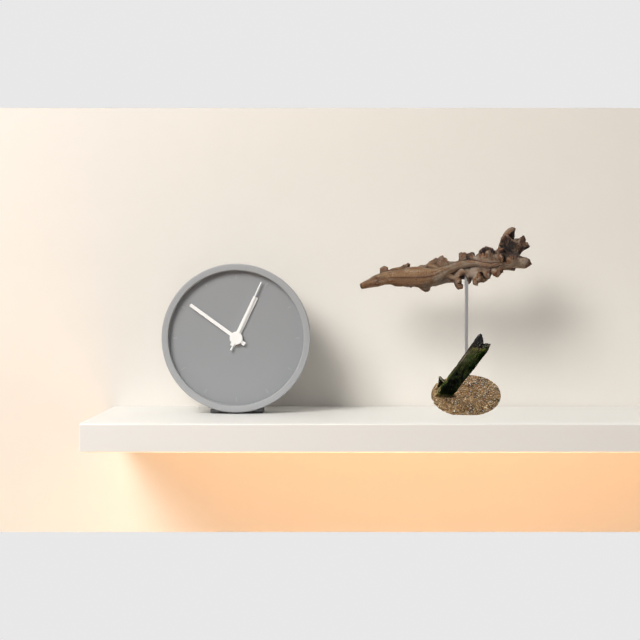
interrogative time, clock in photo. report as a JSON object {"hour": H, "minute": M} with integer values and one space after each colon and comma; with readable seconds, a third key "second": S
{"hour": 12, "minute": 51, "second": 4}
